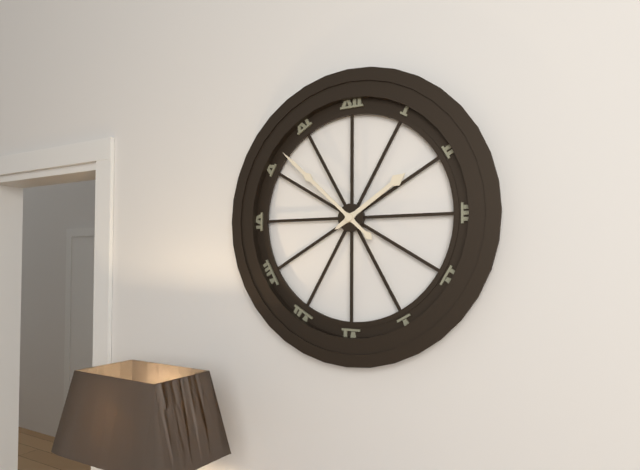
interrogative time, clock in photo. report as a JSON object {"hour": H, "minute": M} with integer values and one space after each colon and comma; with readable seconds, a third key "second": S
{"hour": 1, "minute": 52}
